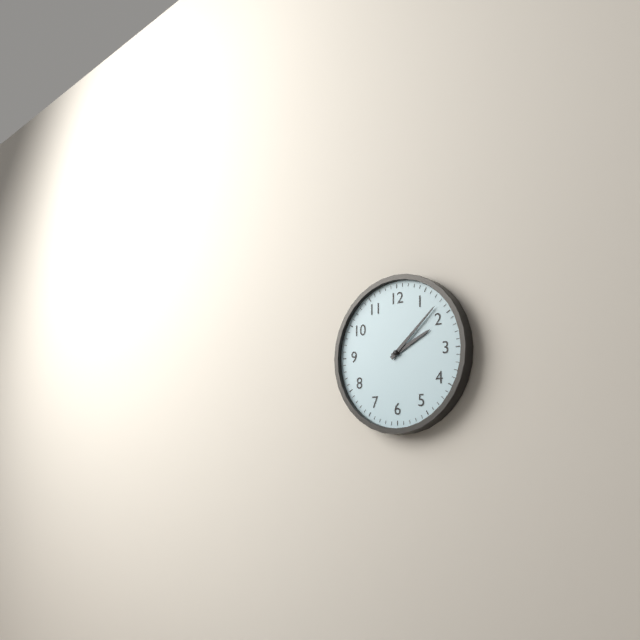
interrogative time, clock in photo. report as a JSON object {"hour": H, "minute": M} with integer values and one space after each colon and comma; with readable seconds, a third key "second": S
{"hour": 2, "minute": 8}
